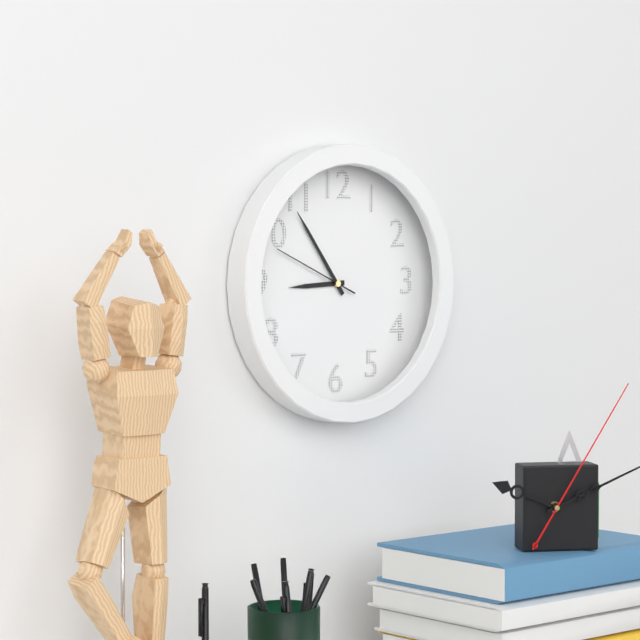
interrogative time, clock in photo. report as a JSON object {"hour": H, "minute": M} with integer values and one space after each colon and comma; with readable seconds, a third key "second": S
{"hour": 8, "minute": 54, "second": 49}
